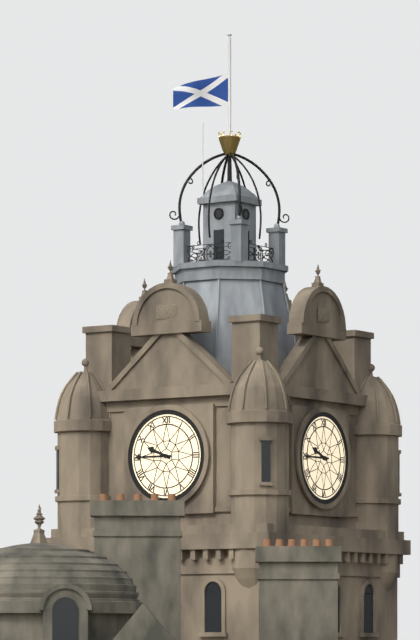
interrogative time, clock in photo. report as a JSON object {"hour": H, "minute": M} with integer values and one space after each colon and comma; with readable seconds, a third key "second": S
{"hour": 9, "minute": 45}
